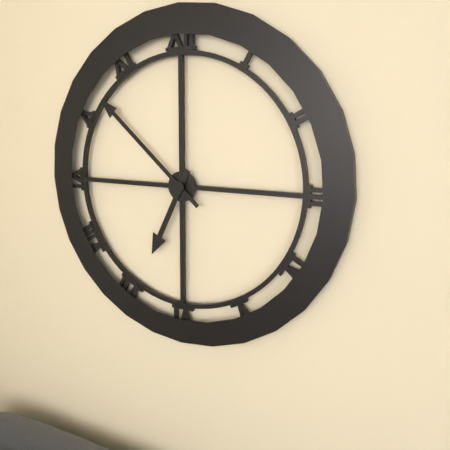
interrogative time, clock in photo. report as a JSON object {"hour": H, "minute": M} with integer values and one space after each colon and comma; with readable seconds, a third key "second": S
{"hour": 6, "minute": 52}
